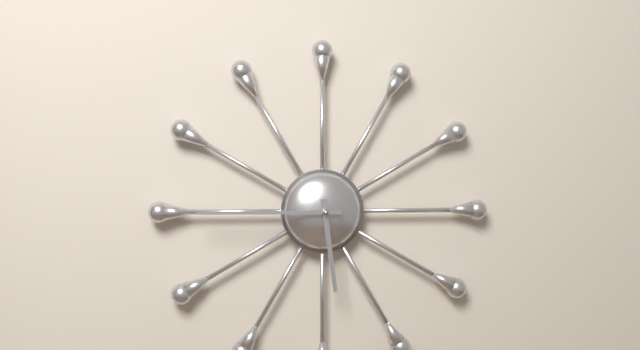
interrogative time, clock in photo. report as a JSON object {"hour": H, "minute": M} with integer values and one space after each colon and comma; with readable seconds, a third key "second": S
{"hour": 5, "minute": 45}
